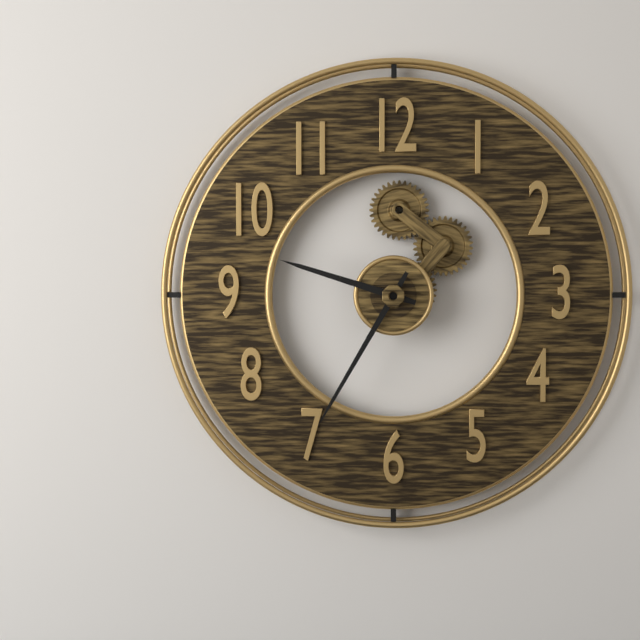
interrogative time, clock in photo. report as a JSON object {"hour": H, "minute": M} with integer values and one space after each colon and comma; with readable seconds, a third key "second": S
{"hour": 9, "minute": 35}
